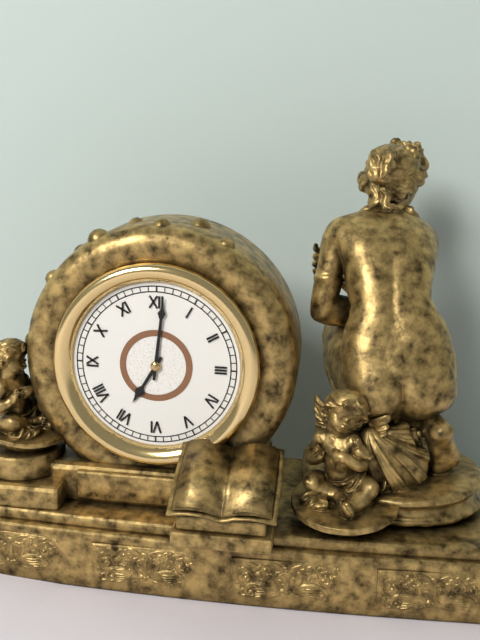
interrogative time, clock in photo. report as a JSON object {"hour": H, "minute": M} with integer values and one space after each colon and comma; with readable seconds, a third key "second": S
{"hour": 7, "minute": 1}
